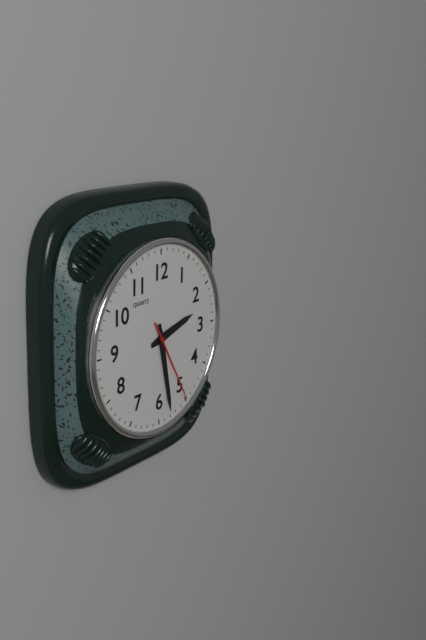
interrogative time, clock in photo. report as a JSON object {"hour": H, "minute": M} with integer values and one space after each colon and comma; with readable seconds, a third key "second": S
{"hour": 2, "minute": 28, "second": 25}
